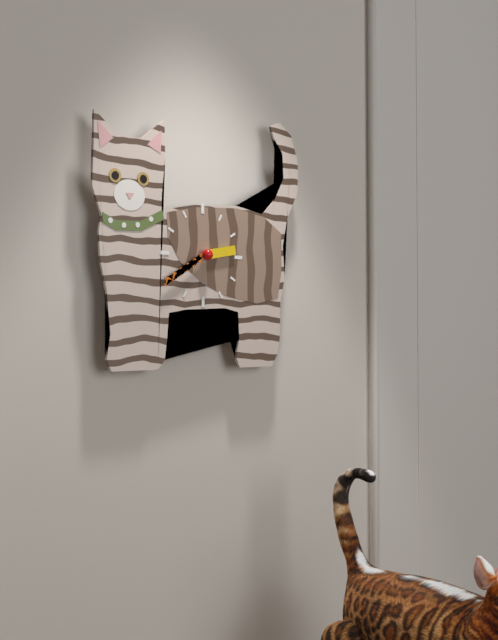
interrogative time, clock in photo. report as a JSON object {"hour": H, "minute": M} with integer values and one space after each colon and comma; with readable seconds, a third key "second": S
{"hour": 2, "minute": 40}
